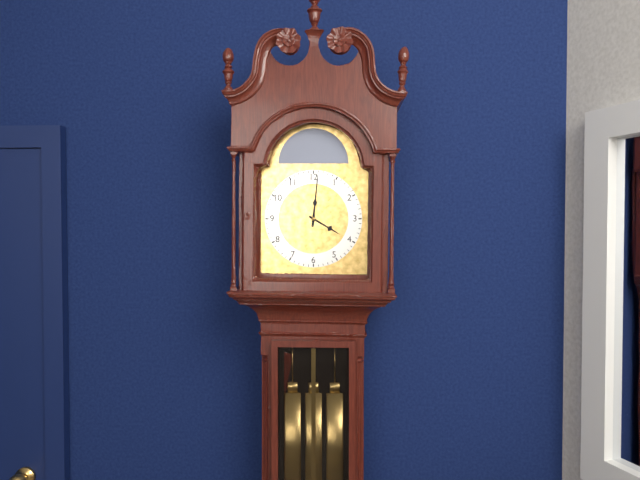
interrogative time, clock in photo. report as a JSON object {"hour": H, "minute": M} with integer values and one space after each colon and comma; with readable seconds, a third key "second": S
{"hour": 4, "minute": 1}
